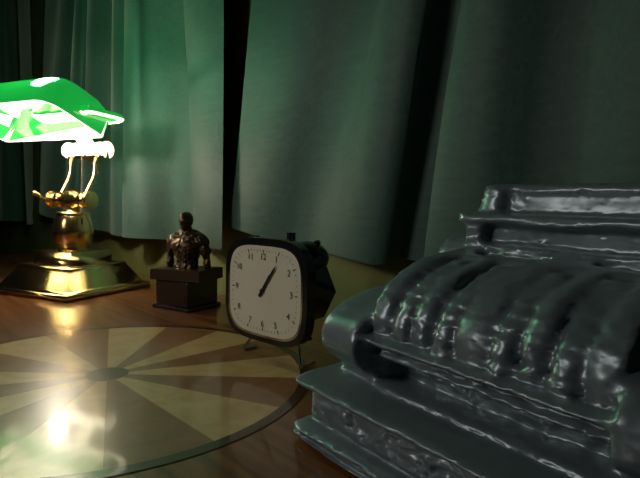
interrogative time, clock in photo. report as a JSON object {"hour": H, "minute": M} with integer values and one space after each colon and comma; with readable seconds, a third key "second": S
{"hour": 1, "minute": 6}
